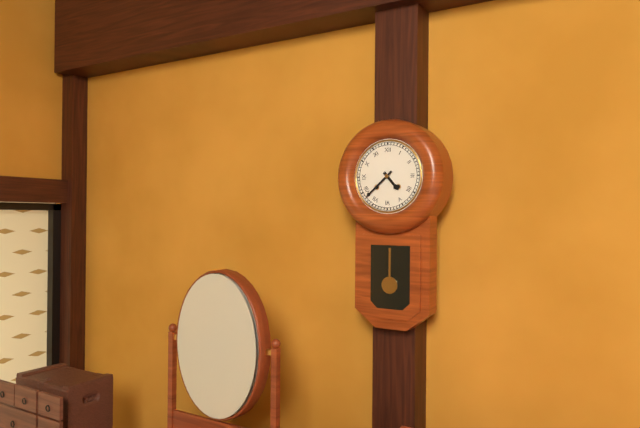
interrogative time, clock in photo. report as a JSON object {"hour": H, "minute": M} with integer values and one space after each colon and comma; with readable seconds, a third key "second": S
{"hour": 4, "minute": 38}
